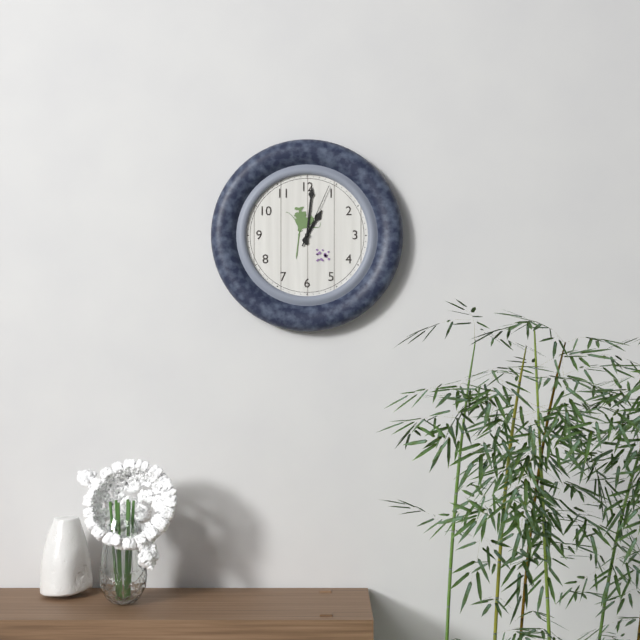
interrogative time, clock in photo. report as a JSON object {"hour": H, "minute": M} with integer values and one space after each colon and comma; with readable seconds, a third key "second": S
{"hour": 1, "minute": 1, "second": 4}
